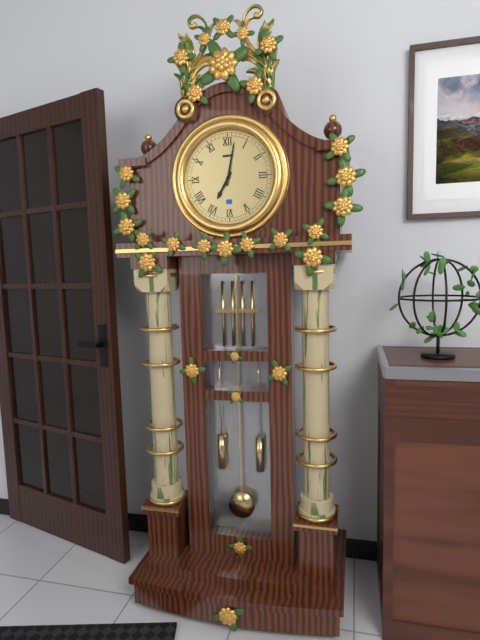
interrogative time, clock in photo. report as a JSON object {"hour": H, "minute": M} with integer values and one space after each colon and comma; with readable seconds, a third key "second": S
{"hour": 7, "minute": 2}
